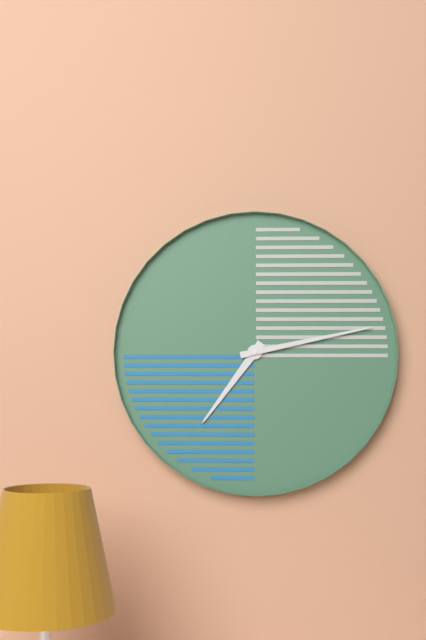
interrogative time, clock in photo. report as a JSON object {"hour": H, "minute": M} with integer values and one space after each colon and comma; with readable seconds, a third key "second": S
{"hour": 7, "minute": 13}
